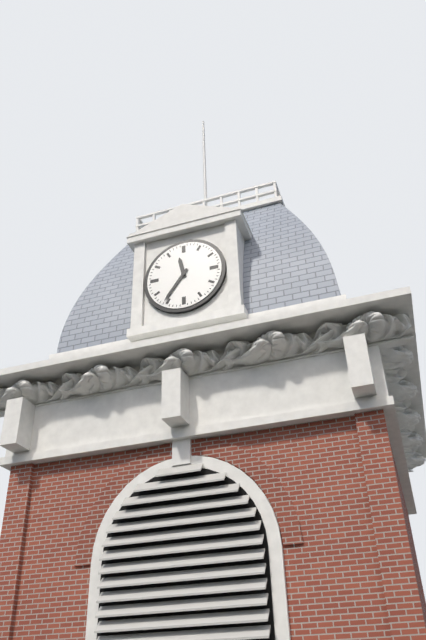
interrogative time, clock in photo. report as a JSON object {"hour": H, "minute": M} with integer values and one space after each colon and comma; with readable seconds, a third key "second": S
{"hour": 11, "minute": 36}
